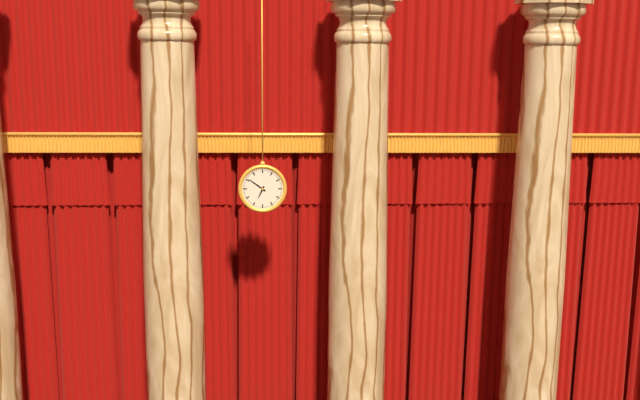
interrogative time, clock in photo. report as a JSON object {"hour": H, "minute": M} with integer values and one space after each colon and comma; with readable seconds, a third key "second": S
{"hour": 6, "minute": 51}
